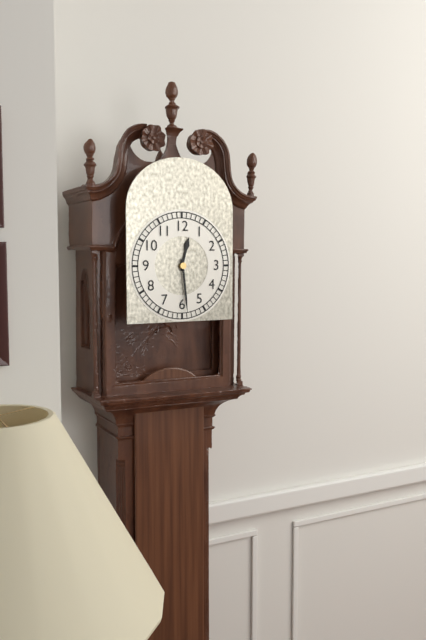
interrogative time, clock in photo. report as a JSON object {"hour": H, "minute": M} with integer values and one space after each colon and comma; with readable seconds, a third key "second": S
{"hour": 12, "minute": 29}
